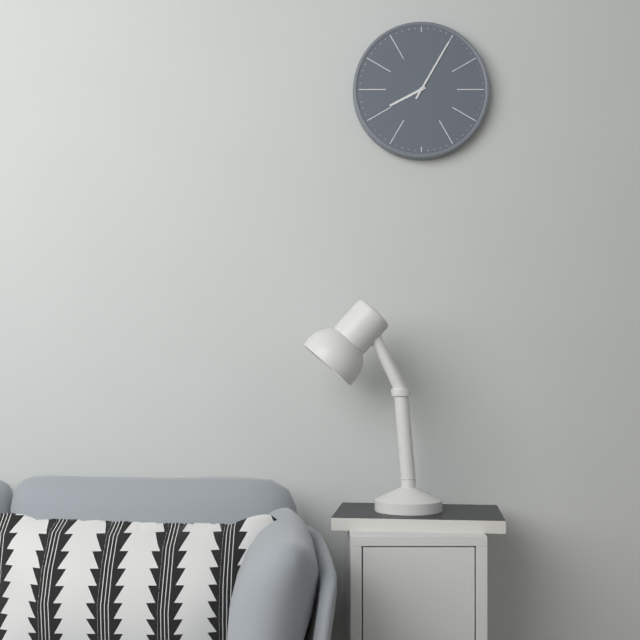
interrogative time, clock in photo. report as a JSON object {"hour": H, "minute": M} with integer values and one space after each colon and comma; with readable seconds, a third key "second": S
{"hour": 8, "minute": 5}
